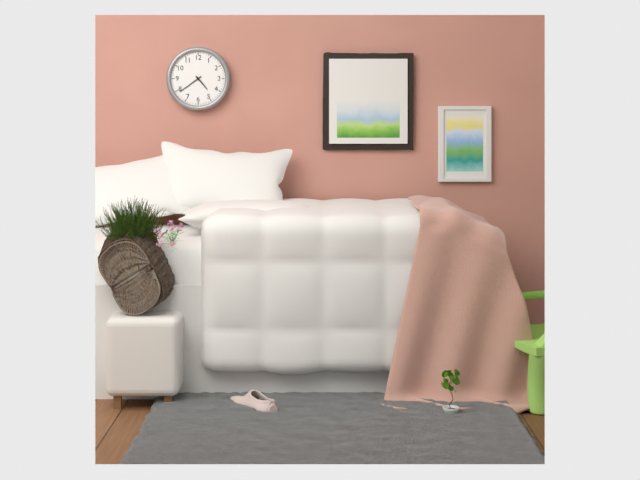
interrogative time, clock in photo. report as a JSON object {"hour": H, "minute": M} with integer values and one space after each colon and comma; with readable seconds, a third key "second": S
{"hour": 4, "minute": 39}
